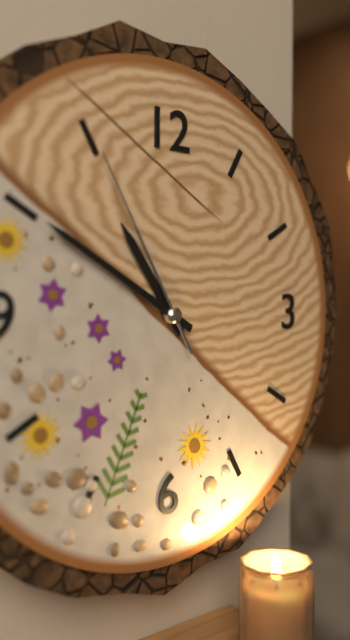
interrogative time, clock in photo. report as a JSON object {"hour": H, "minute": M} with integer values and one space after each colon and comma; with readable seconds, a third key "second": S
{"hour": 10, "minute": 50, "second": 55}
